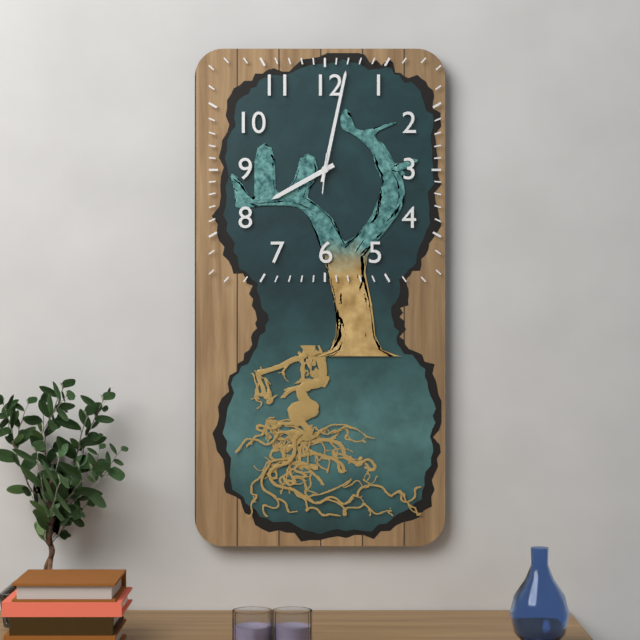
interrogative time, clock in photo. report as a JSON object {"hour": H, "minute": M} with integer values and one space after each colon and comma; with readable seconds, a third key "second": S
{"hour": 8, "minute": 2}
